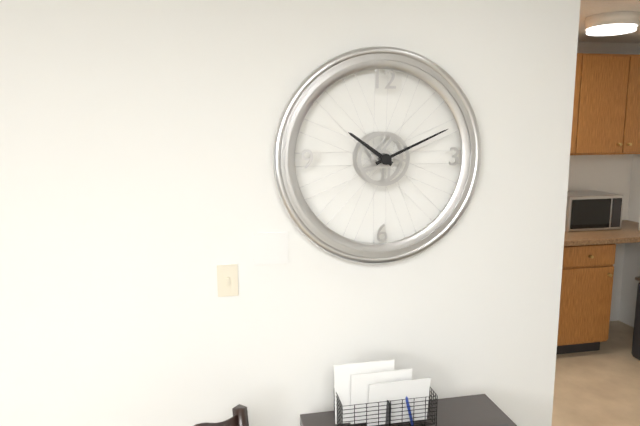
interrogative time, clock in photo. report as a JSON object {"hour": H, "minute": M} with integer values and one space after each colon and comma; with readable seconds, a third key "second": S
{"hour": 10, "minute": 11}
